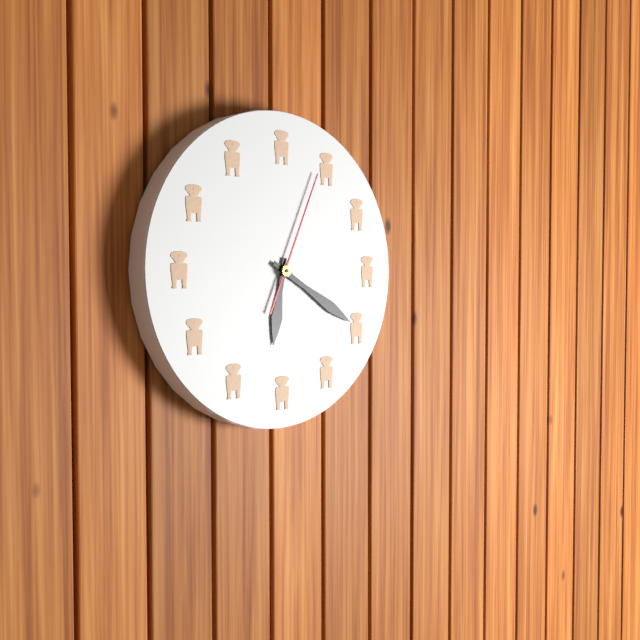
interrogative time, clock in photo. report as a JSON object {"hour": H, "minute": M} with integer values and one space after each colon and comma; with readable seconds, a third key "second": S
{"hour": 6, "minute": 20, "second": 4}
